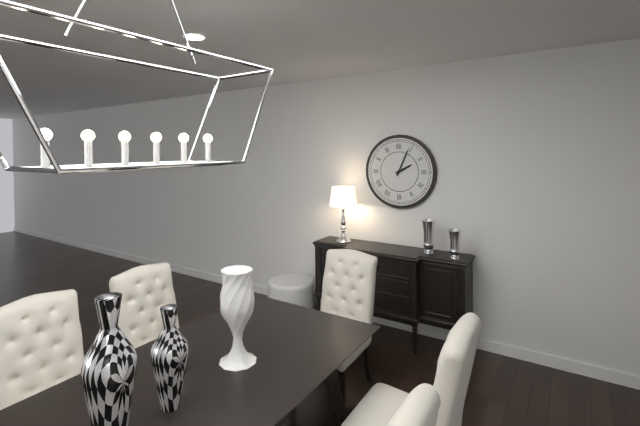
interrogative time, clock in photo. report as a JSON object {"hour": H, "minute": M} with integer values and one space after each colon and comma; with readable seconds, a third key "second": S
{"hour": 2, "minute": 4}
